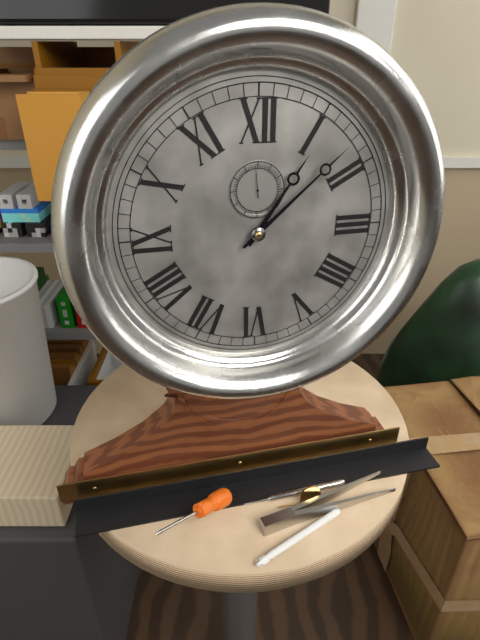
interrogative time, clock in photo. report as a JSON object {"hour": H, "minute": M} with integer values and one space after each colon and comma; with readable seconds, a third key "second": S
{"hour": 1, "minute": 8}
